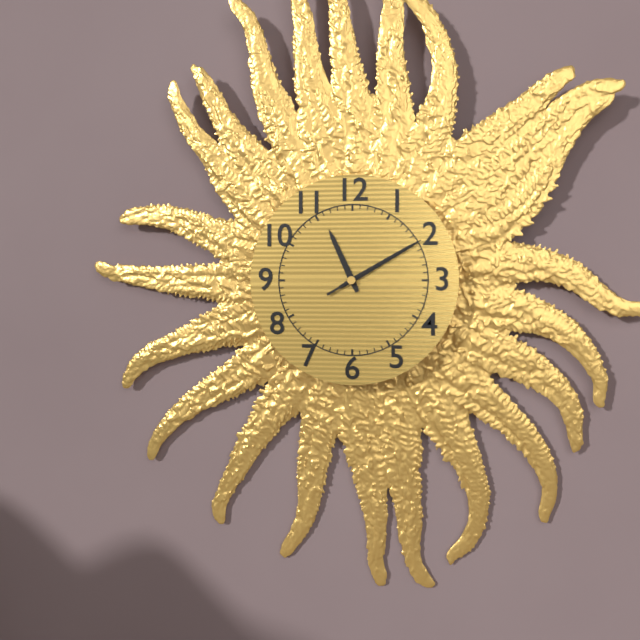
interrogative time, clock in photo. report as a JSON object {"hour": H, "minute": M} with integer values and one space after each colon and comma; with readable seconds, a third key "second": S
{"hour": 11, "minute": 10, "second": 10}
